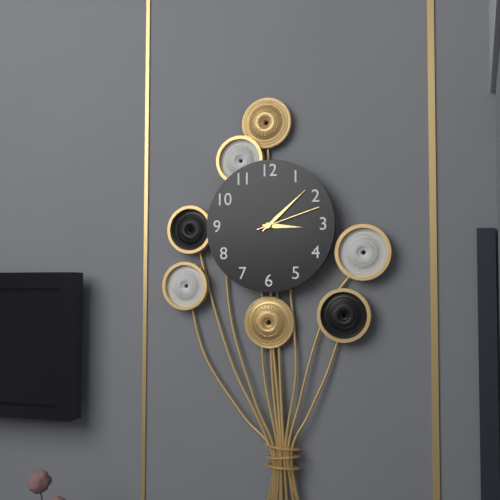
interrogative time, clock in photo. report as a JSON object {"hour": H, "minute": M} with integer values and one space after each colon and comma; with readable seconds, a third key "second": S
{"hour": 3, "minute": 8, "second": 12}
